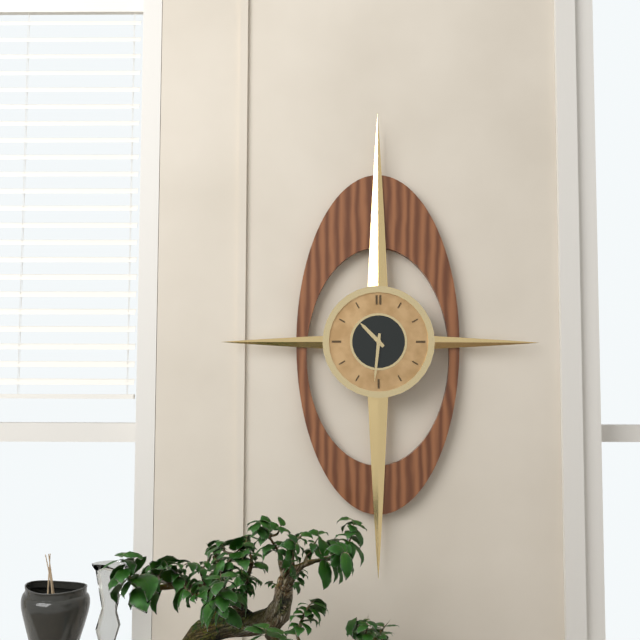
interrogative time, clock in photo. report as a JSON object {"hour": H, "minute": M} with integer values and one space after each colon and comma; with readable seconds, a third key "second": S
{"hour": 10, "minute": 31}
